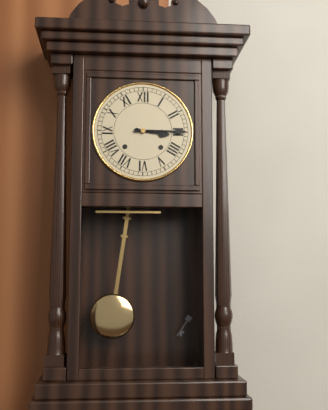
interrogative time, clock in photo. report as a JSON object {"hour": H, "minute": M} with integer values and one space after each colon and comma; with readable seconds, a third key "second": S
{"hour": 3, "minute": 15}
